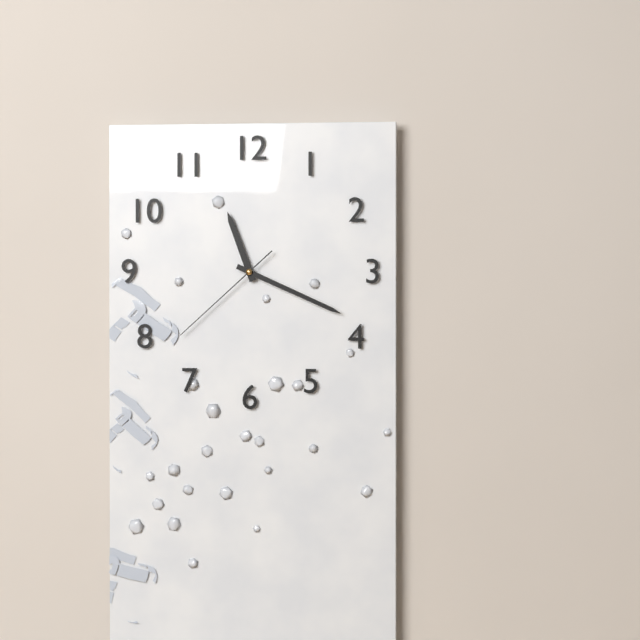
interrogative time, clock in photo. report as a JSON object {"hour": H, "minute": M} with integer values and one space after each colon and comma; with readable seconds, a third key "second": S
{"hour": 11, "minute": 19, "second": 38}
